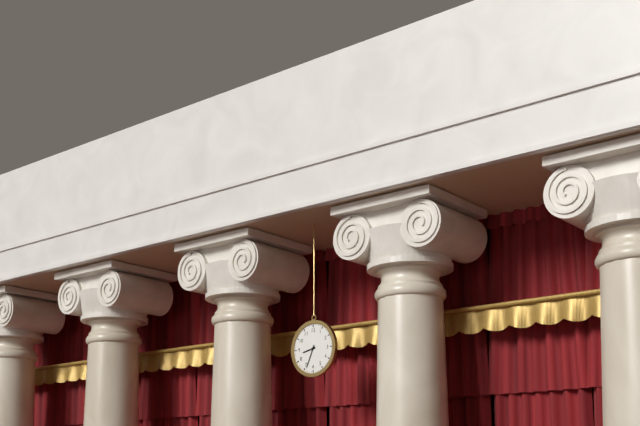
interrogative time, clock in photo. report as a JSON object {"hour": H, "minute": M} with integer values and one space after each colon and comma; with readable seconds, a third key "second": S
{"hour": 8, "minute": 34}
